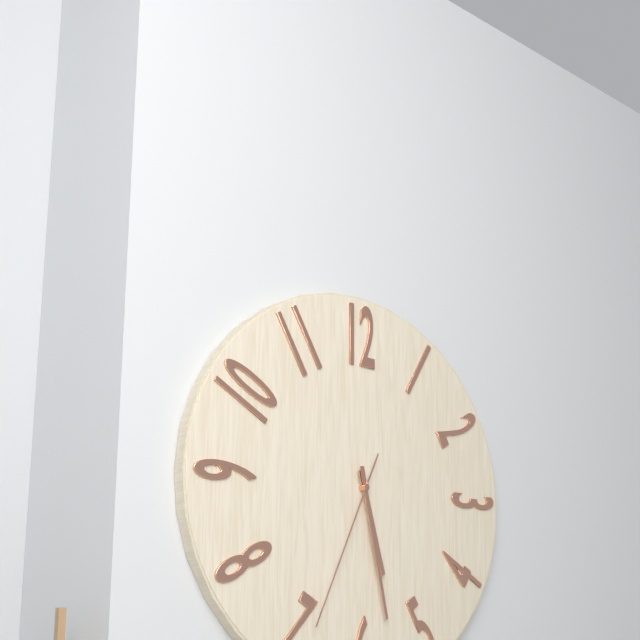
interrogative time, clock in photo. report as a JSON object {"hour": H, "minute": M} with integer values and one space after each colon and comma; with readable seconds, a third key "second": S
{"hour": 5, "minute": 28, "second": 34}
